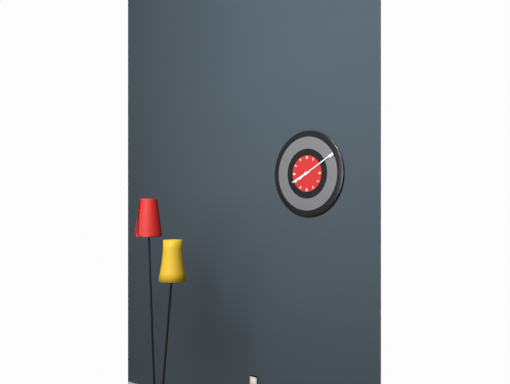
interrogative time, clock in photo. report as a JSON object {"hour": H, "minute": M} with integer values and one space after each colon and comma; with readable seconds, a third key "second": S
{"hour": 8, "minute": 10}
